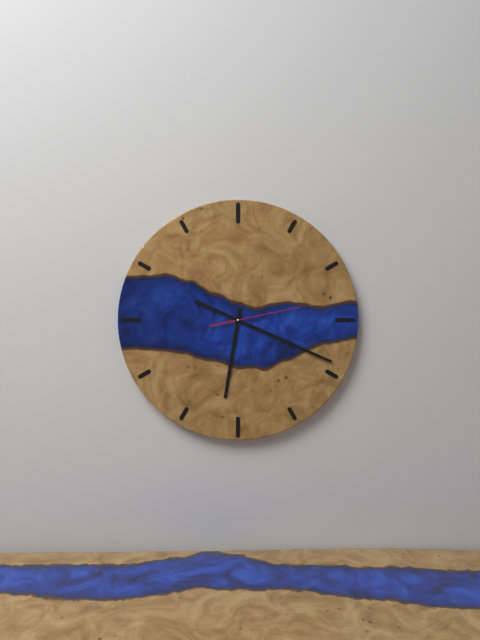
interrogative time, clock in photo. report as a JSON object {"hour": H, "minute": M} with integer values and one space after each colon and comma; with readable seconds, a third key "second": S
{"hour": 6, "minute": 19, "second": 13}
